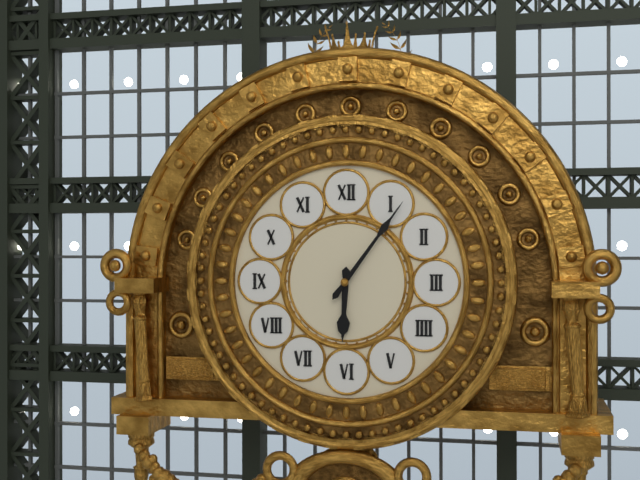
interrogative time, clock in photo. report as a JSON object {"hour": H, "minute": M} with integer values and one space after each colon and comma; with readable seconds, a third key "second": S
{"hour": 6, "minute": 6}
